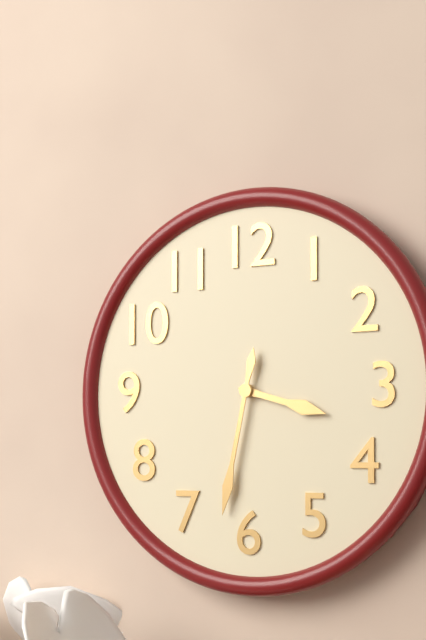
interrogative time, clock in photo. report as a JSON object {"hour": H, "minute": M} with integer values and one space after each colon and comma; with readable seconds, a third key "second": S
{"hour": 3, "minute": 32}
